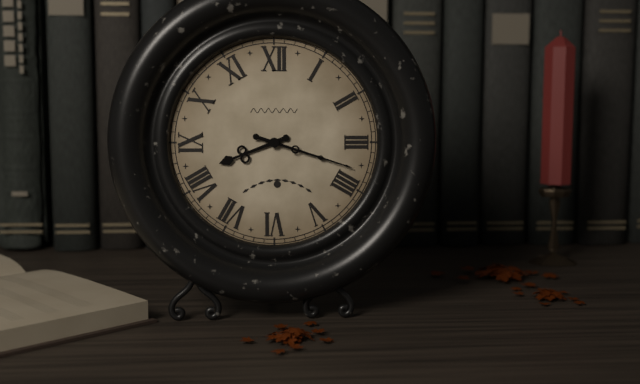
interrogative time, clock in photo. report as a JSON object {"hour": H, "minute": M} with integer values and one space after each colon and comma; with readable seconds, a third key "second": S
{"hour": 8, "minute": 18}
